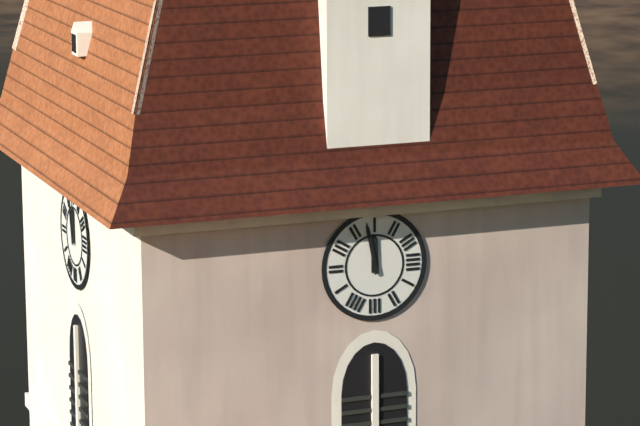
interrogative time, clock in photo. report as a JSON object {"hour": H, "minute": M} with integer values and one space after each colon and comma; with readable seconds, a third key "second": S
{"hour": 11, "minute": 58}
